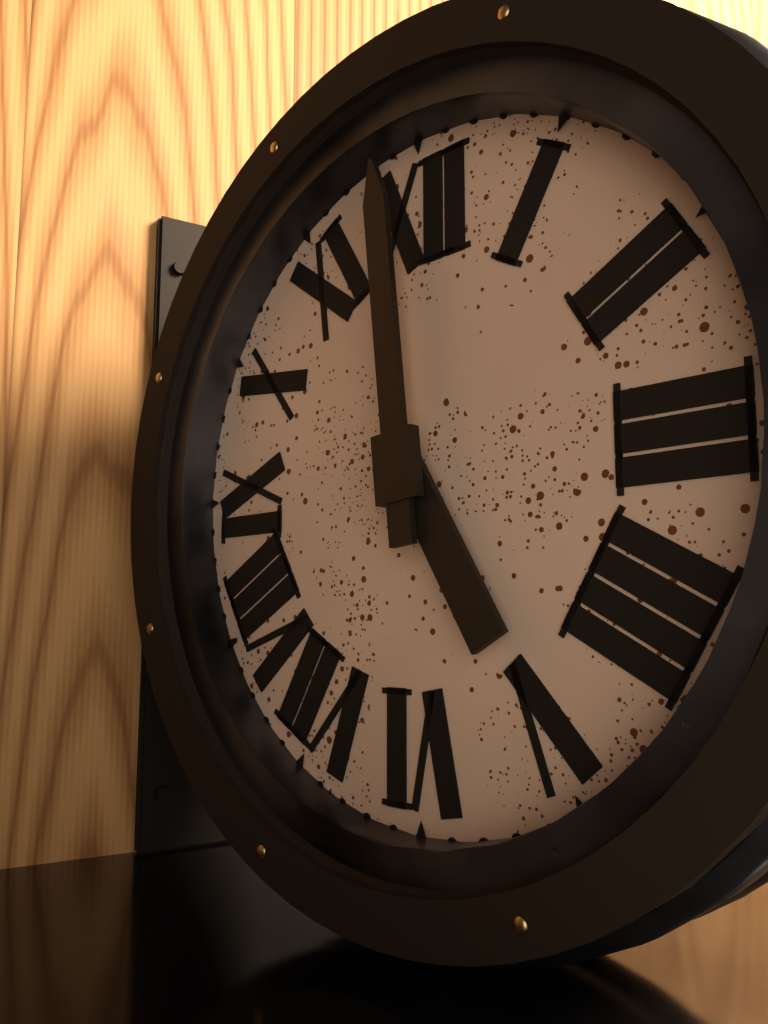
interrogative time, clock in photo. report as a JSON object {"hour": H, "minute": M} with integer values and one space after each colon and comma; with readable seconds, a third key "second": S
{"hour": 4, "minute": 59}
